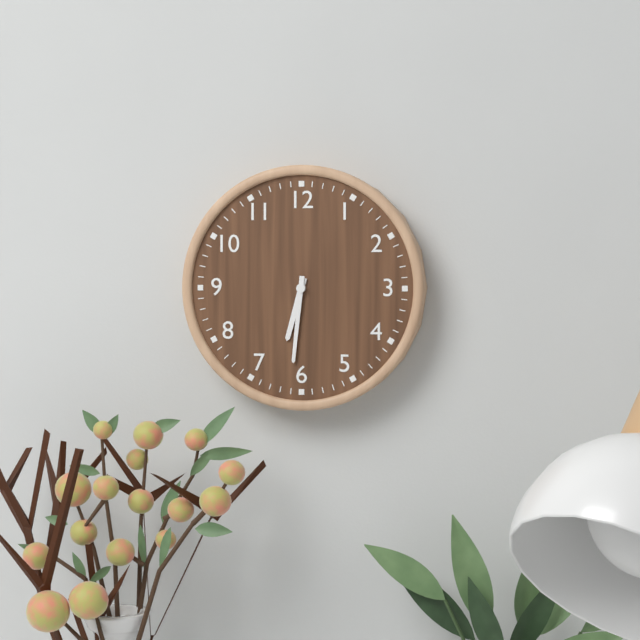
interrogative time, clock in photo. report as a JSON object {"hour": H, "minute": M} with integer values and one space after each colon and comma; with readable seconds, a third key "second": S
{"hour": 6, "minute": 31}
